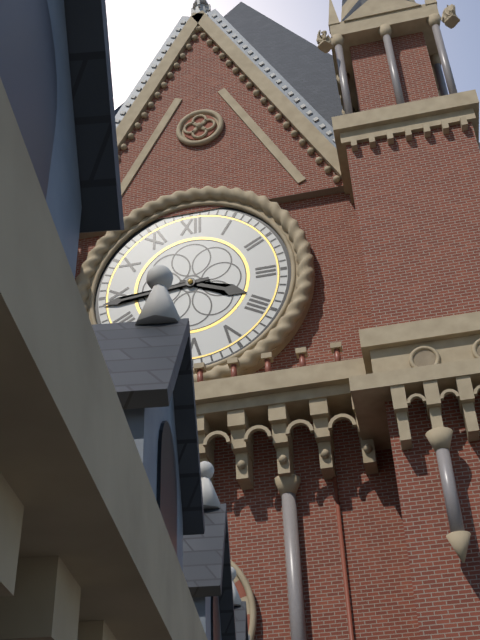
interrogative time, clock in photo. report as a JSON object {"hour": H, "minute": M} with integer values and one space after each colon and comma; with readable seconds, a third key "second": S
{"hour": 3, "minute": 44}
